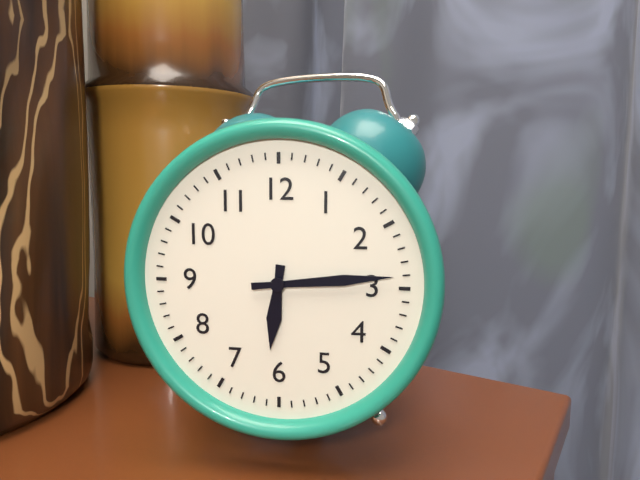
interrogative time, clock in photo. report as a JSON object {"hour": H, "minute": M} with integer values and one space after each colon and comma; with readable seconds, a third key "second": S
{"hour": 6, "minute": 14}
